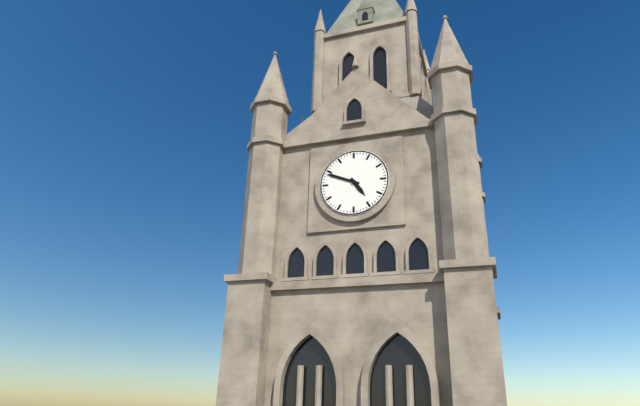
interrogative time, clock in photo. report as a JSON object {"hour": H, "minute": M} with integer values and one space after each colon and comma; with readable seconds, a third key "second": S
{"hour": 4, "minute": 49}
